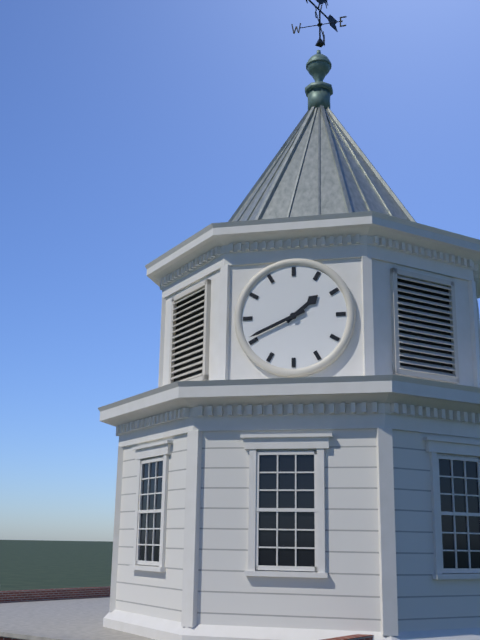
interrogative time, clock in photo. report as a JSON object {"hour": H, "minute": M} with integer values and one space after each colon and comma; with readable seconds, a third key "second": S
{"hour": 1, "minute": 41}
